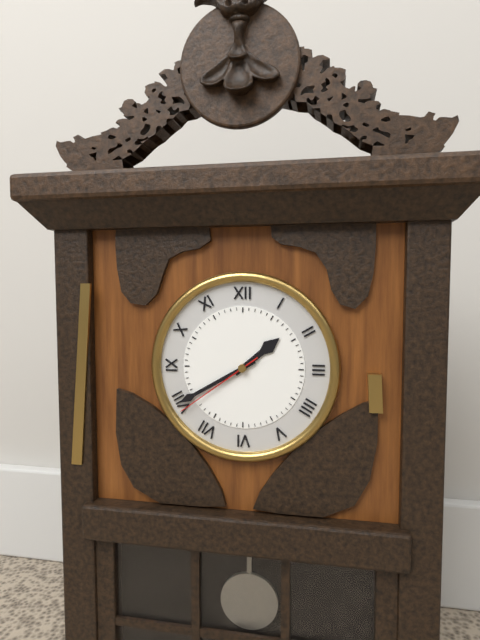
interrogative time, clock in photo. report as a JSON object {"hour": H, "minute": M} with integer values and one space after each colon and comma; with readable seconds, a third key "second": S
{"hour": 1, "minute": 40, "second": 39}
